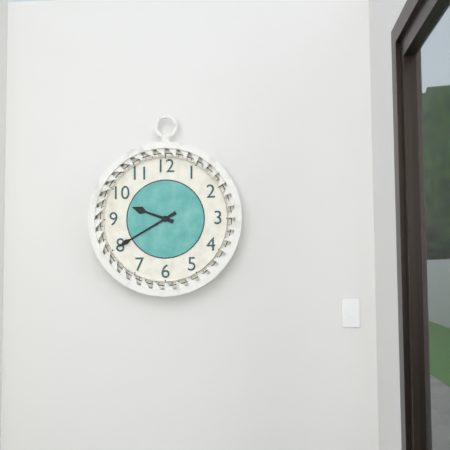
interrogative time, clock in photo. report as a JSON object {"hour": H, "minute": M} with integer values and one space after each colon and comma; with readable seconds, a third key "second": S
{"hour": 9, "minute": 40}
